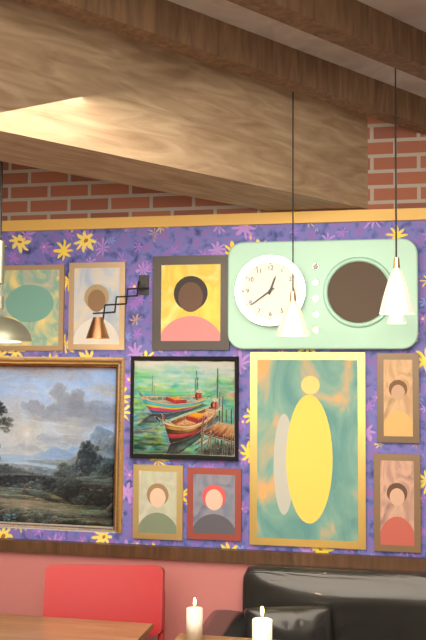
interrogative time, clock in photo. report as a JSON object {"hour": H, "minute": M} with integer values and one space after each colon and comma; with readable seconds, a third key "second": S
{"hour": 12, "minute": 39}
